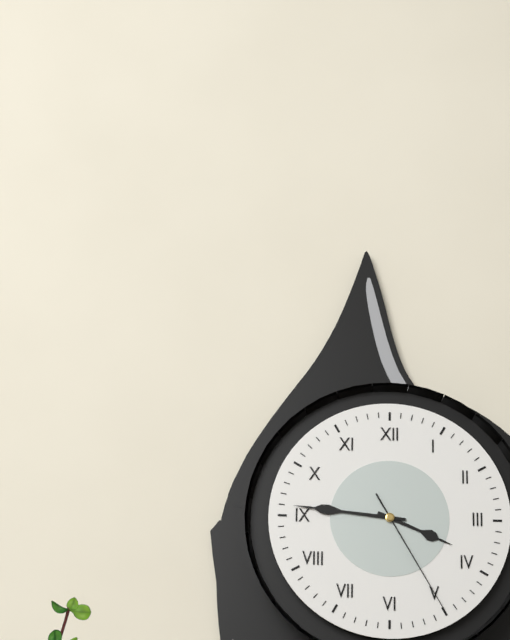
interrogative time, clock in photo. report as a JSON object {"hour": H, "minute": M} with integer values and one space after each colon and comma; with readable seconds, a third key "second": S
{"hour": 3, "minute": 46, "second": 25}
